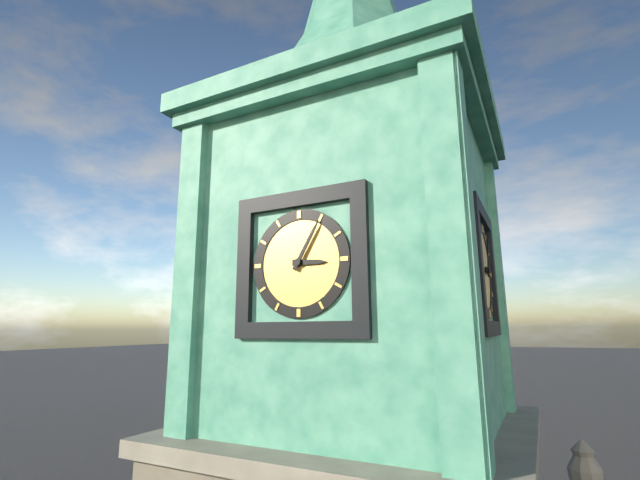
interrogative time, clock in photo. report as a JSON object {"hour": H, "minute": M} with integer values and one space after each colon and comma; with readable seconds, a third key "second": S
{"hour": 3, "minute": 5}
